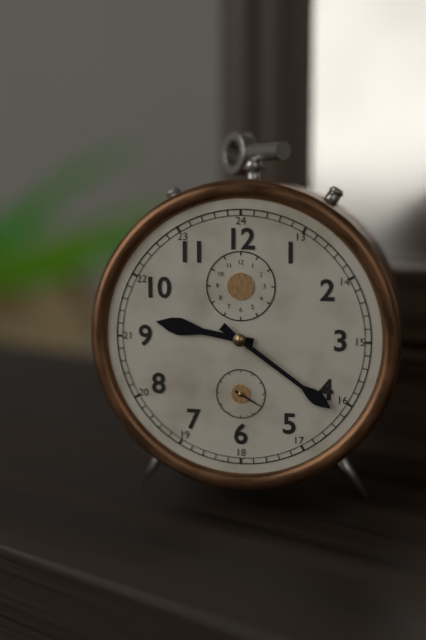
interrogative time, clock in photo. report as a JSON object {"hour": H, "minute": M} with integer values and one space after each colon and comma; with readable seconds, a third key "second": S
{"hour": 9, "minute": 21}
